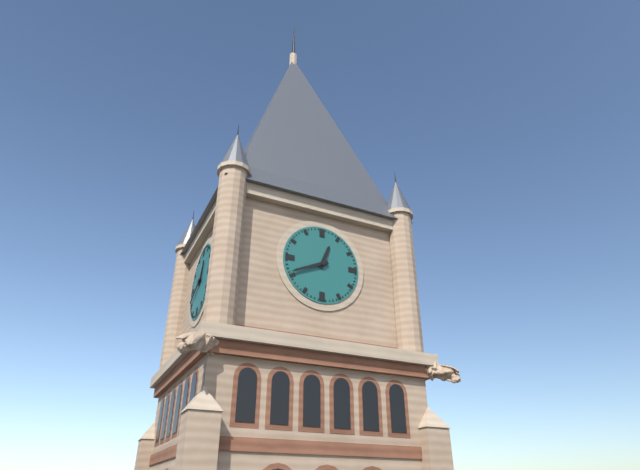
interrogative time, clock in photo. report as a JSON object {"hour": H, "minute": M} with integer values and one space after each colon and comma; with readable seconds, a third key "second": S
{"hour": 12, "minute": 41}
